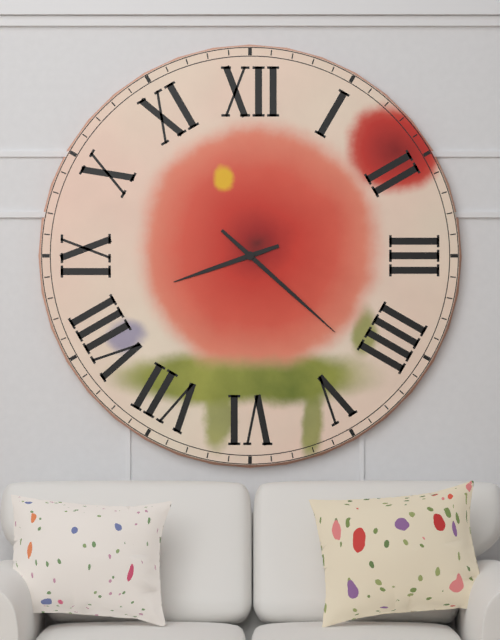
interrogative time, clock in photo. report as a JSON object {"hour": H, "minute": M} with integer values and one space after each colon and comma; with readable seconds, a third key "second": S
{"hour": 8, "minute": 22}
